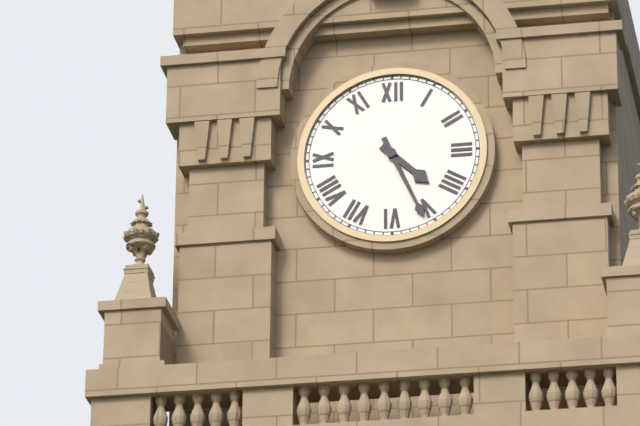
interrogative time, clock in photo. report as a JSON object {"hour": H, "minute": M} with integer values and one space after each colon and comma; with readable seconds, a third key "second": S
{"hour": 4, "minute": 26}
